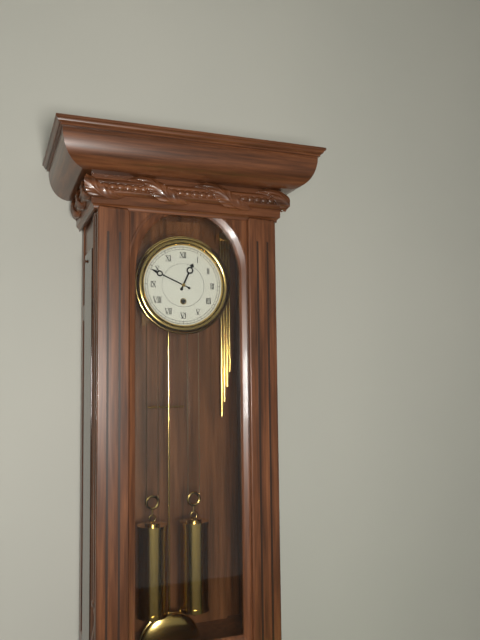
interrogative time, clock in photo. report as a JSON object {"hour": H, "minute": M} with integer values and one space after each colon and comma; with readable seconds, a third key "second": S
{"hour": 12, "minute": 49}
